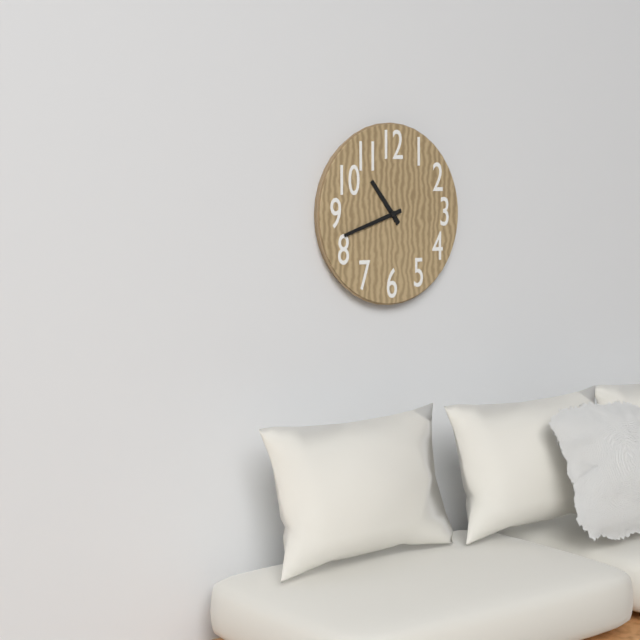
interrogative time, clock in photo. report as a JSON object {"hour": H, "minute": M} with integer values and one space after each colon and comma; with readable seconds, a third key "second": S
{"hour": 10, "minute": 42}
